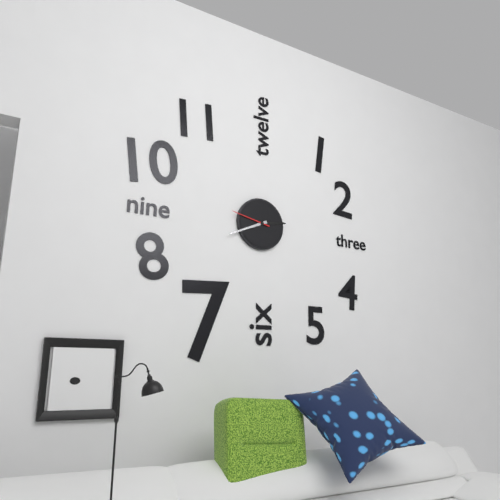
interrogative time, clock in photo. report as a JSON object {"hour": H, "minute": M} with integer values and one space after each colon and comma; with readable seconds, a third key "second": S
{"hour": 2, "minute": 41}
